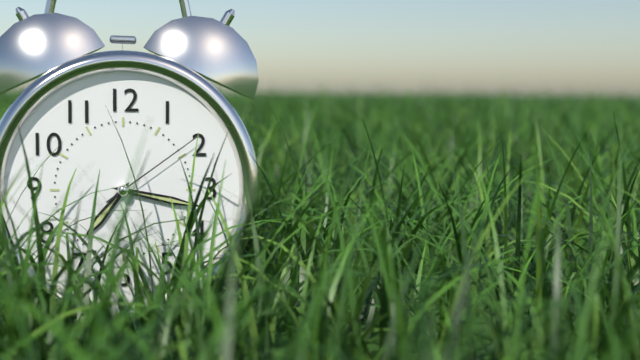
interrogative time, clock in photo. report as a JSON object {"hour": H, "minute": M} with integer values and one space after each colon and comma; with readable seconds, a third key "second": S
{"hour": 7, "minute": 17, "second": 9}
